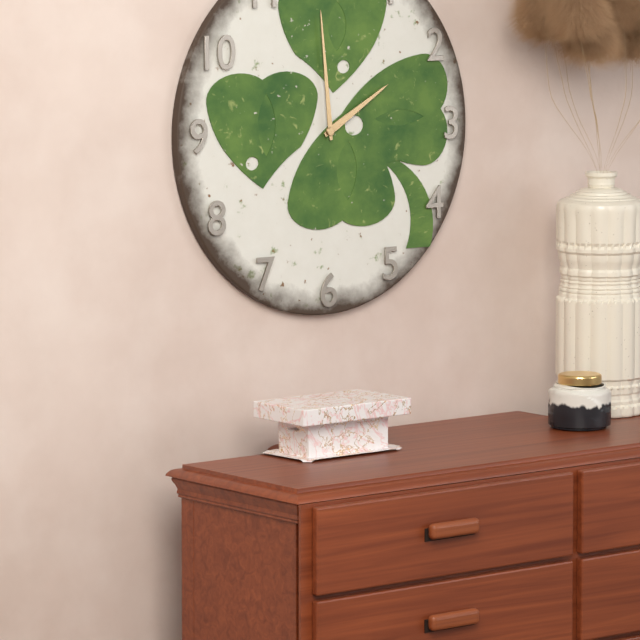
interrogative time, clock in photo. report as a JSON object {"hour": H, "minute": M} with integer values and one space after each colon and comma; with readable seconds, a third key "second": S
{"hour": 1, "minute": 59}
